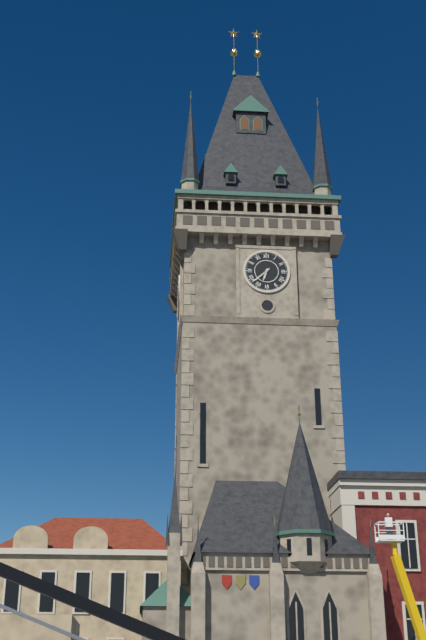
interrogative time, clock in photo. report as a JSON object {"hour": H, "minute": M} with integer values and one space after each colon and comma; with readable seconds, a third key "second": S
{"hour": 6, "minute": 38}
